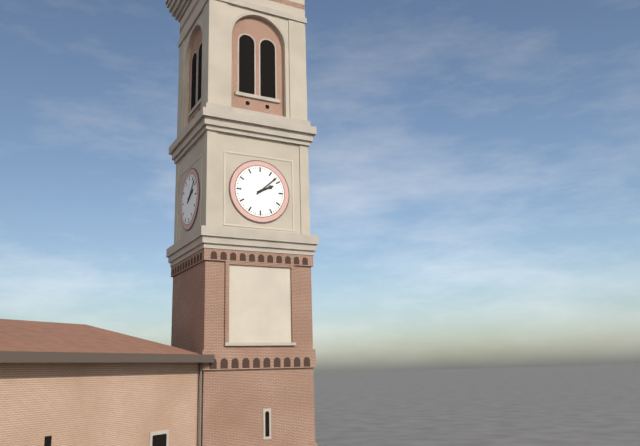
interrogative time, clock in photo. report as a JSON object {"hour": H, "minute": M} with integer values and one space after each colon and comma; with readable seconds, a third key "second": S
{"hour": 2, "minute": 8}
